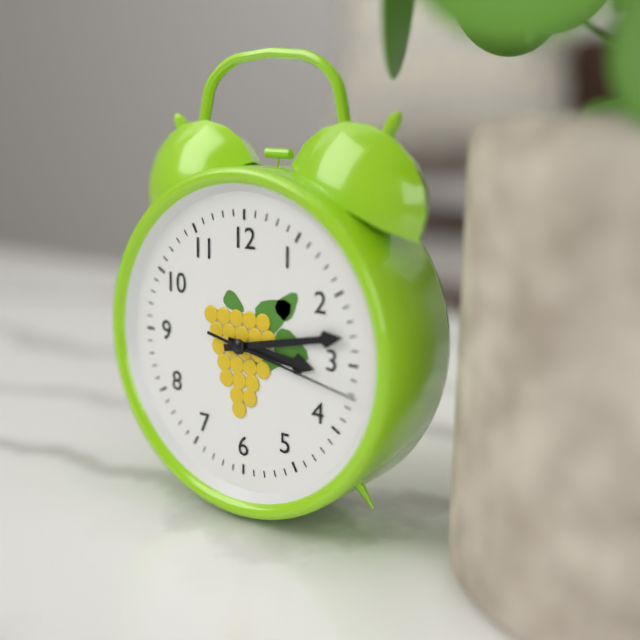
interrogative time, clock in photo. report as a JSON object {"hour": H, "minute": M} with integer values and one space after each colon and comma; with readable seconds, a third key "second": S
{"hour": 3, "minute": 13, "second": 17}
